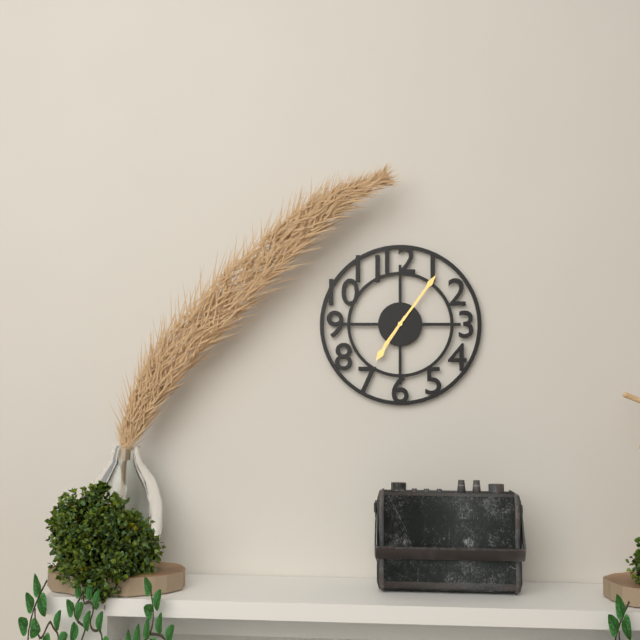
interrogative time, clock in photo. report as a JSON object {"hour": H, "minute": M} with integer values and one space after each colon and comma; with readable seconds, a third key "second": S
{"hour": 7, "minute": 6}
